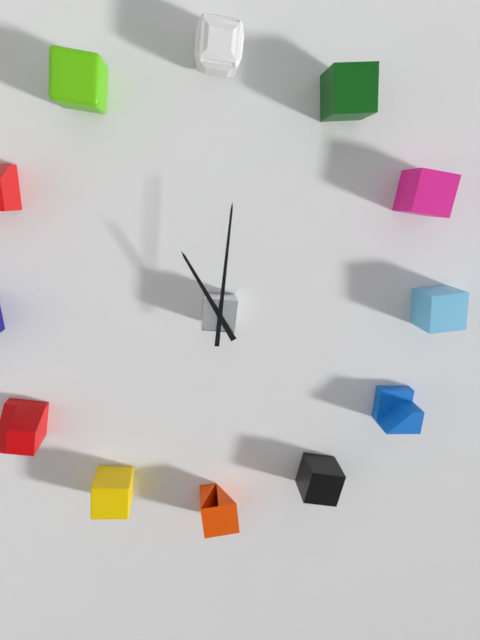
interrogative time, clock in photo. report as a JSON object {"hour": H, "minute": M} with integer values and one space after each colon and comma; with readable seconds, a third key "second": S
{"hour": 11, "minute": 1}
